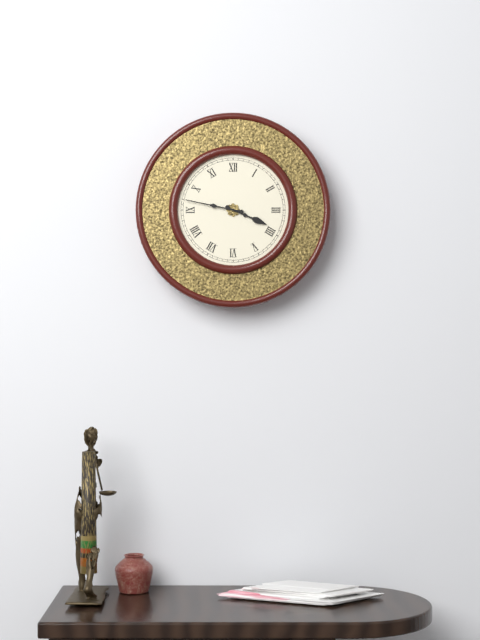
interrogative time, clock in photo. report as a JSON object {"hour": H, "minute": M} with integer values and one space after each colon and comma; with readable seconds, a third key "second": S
{"hour": 3, "minute": 47}
